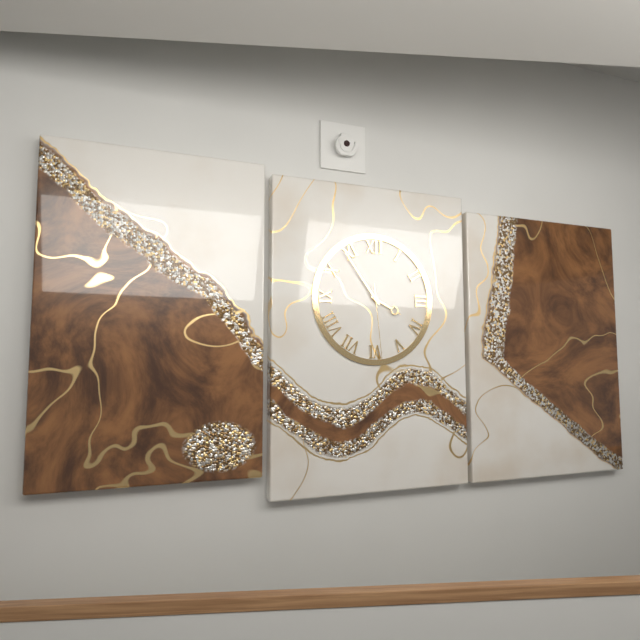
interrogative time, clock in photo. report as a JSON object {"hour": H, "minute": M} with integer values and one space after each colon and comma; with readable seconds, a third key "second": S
{"hour": 3, "minute": 54, "second": 29}
